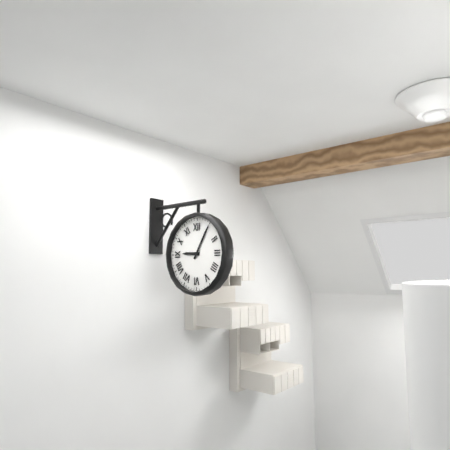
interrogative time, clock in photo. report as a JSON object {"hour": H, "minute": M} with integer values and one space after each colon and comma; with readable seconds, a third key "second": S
{"hour": 9, "minute": 5}
